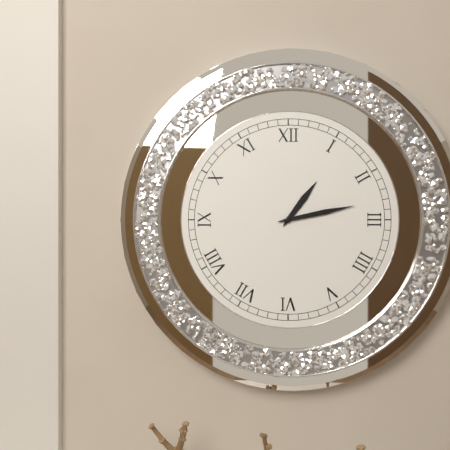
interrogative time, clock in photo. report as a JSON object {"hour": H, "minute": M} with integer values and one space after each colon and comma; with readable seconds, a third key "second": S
{"hour": 1, "minute": 13}
